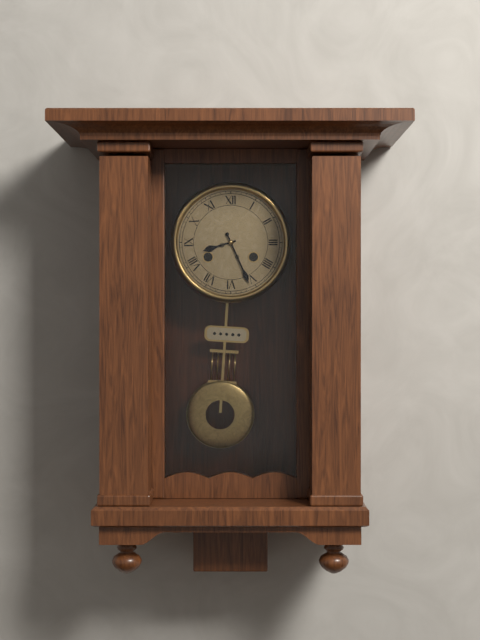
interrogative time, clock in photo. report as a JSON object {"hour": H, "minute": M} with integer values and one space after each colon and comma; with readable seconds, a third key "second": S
{"hour": 8, "minute": 26}
